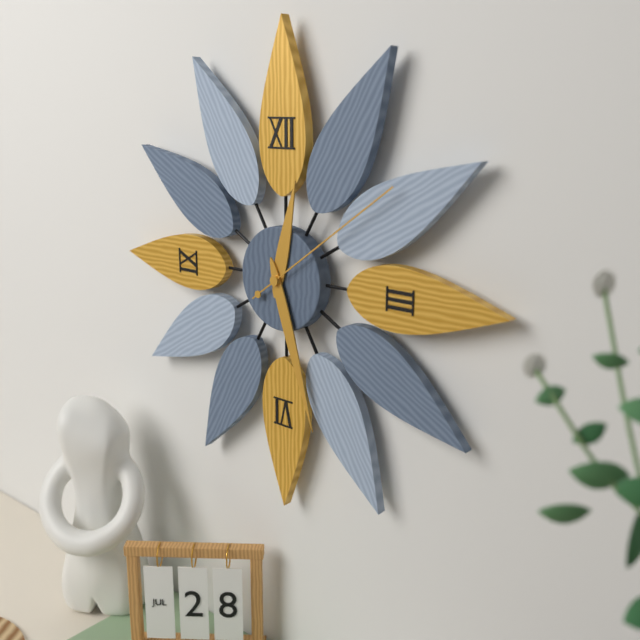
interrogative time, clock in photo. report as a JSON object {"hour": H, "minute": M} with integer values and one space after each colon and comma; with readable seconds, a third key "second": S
{"hour": 12, "minute": 27, "second": 9}
